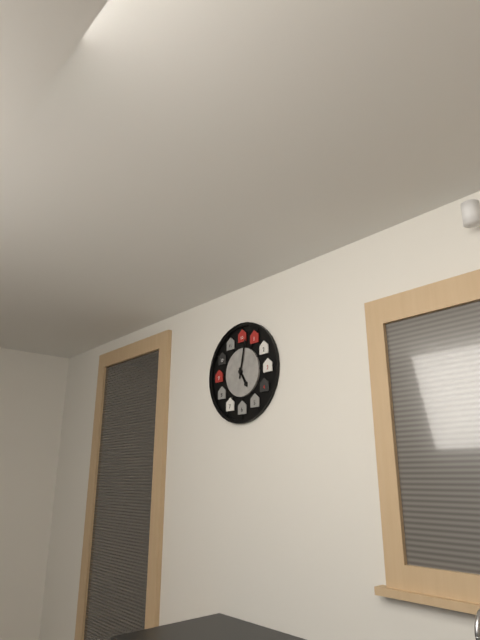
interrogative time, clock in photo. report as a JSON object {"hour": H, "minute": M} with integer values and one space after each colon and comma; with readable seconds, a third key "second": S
{"hour": 5, "minute": 2}
